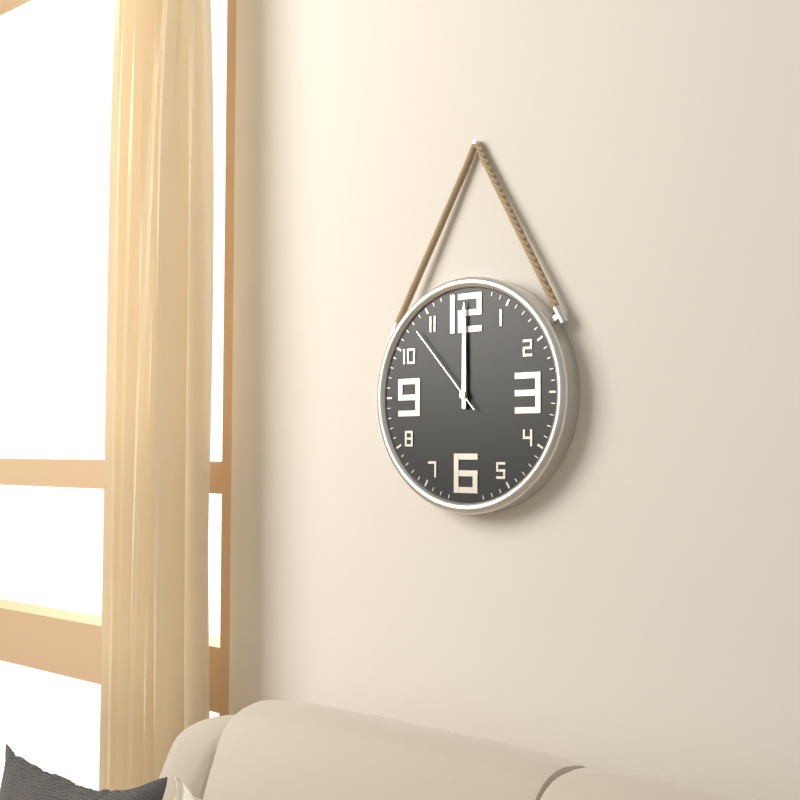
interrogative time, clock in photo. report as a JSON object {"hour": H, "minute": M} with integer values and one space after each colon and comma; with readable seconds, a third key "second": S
{"hour": 12, "minute": 0, "second": 53}
